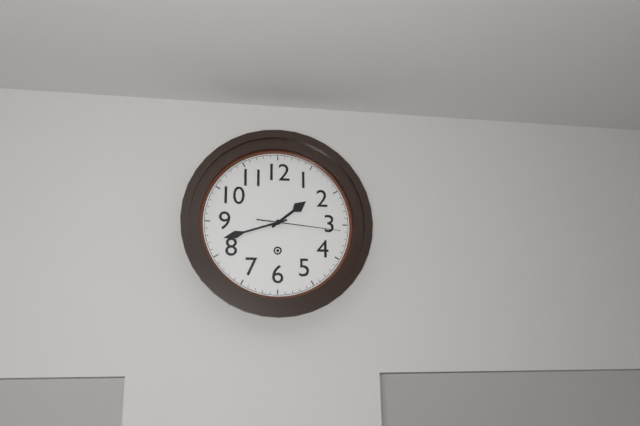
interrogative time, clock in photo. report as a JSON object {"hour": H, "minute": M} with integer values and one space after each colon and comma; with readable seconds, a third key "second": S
{"hour": 1, "minute": 42, "second": 16}
